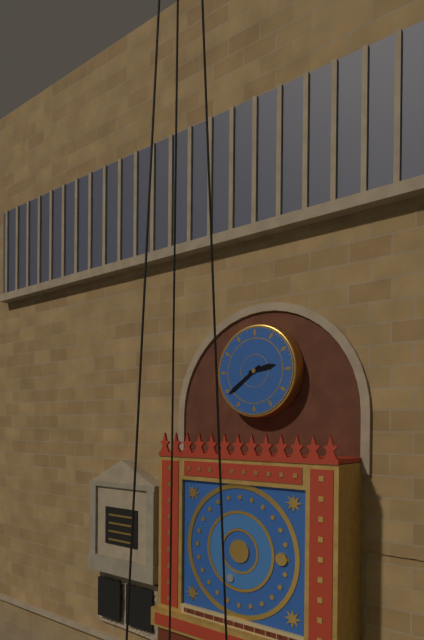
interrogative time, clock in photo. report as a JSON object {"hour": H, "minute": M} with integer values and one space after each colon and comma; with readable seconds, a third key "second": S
{"hour": 2, "minute": 39}
